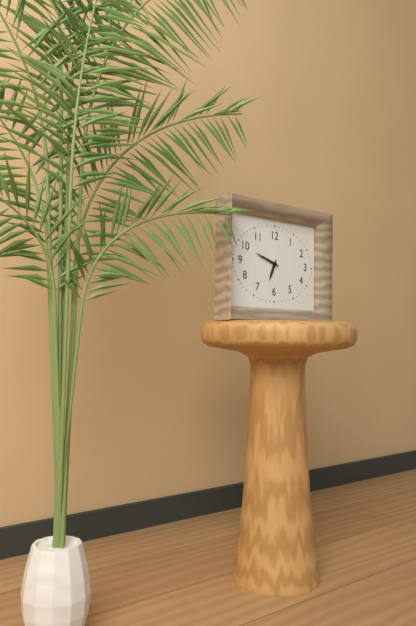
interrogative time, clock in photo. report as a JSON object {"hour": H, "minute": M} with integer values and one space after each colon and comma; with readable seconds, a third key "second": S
{"hour": 6, "minute": 48}
